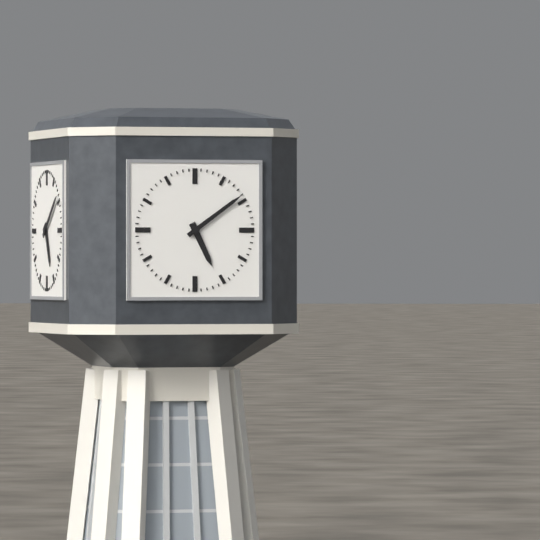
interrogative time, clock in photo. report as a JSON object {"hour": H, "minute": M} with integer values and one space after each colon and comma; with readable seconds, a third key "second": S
{"hour": 5, "minute": 9}
